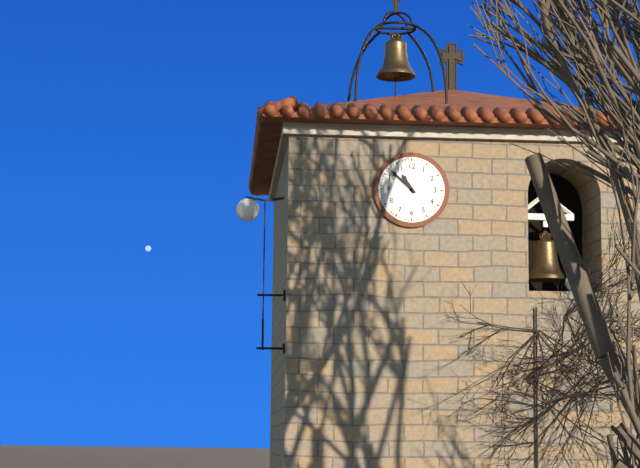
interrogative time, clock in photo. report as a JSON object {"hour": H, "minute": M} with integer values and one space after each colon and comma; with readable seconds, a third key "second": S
{"hour": 10, "minute": 52}
